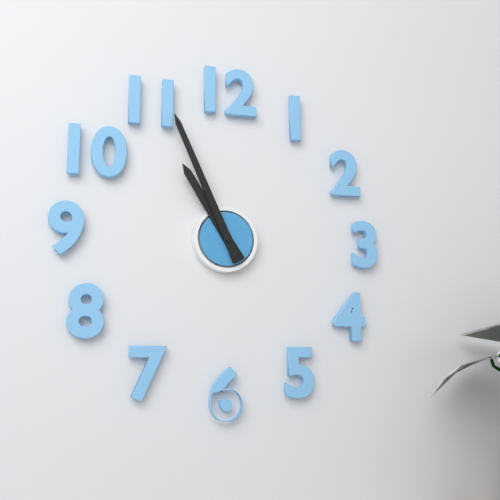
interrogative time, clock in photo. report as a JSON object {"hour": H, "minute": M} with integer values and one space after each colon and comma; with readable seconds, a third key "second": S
{"hour": 10, "minute": 56}
